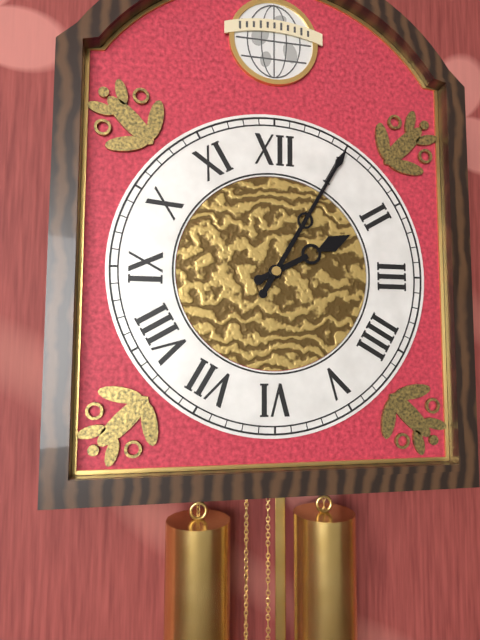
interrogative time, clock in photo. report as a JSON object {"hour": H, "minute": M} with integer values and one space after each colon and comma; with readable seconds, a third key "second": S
{"hour": 2, "minute": 5}
